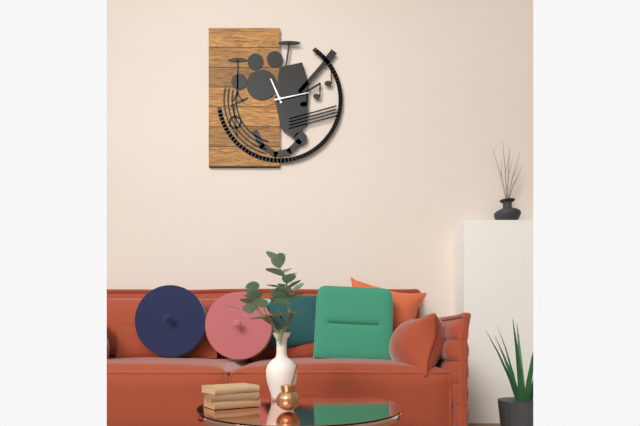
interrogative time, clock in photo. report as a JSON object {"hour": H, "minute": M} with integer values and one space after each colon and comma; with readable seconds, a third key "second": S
{"hour": 11, "minute": 13}
